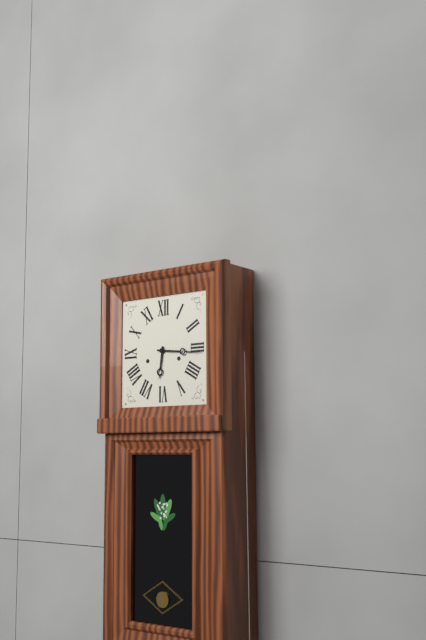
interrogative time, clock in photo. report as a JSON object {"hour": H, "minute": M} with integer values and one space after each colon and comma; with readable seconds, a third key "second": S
{"hour": 6, "minute": 16}
